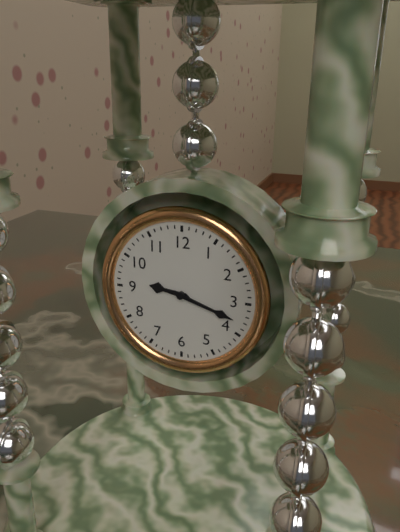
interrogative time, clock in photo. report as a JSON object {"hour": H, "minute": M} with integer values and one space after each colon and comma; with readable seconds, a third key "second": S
{"hour": 9, "minute": 18}
